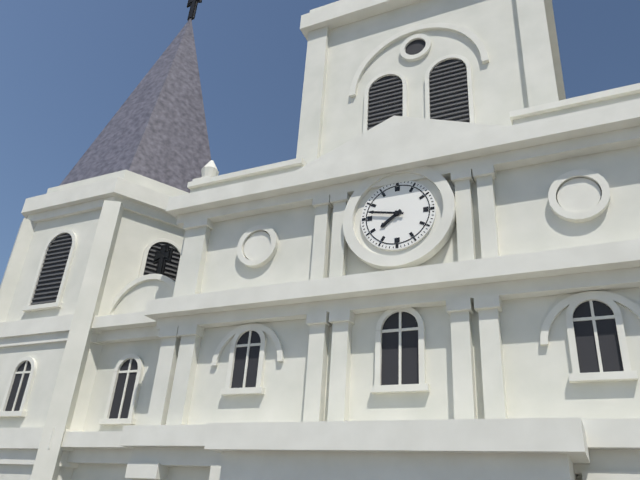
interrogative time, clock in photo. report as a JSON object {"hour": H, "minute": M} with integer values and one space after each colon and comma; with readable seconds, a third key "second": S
{"hour": 7, "minute": 47}
